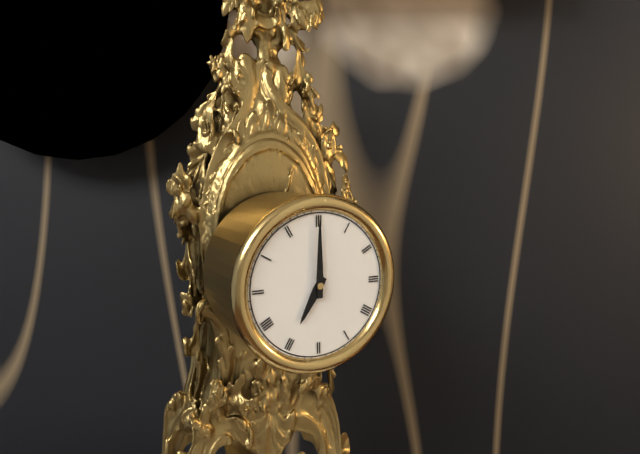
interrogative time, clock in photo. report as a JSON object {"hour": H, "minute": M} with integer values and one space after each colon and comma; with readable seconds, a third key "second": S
{"hour": 7, "minute": 0}
